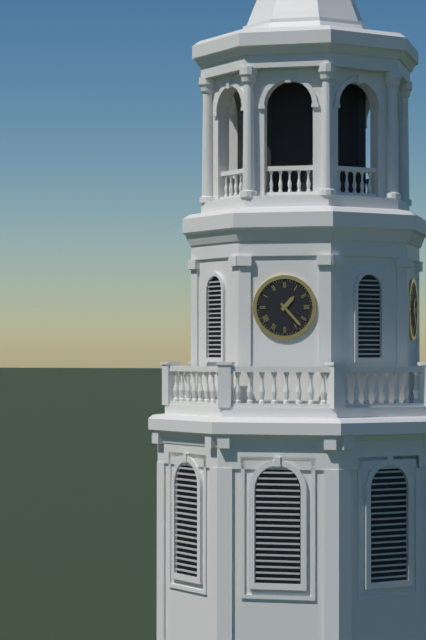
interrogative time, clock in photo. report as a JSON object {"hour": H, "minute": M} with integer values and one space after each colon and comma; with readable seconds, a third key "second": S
{"hour": 1, "minute": 23}
